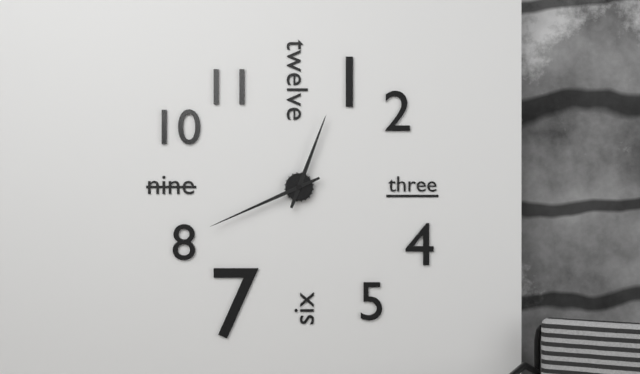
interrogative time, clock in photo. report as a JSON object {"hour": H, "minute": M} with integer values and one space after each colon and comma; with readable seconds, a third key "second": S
{"hour": 12, "minute": 41}
